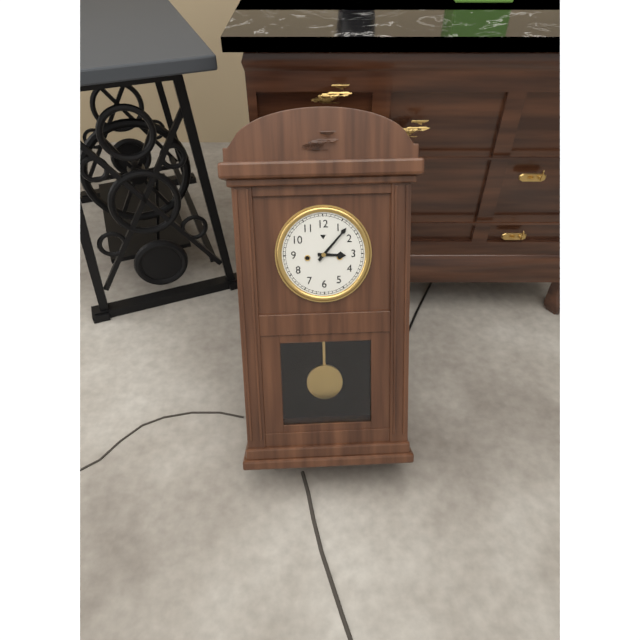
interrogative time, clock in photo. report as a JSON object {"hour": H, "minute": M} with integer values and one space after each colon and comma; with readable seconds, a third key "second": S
{"hour": 3, "minute": 7}
